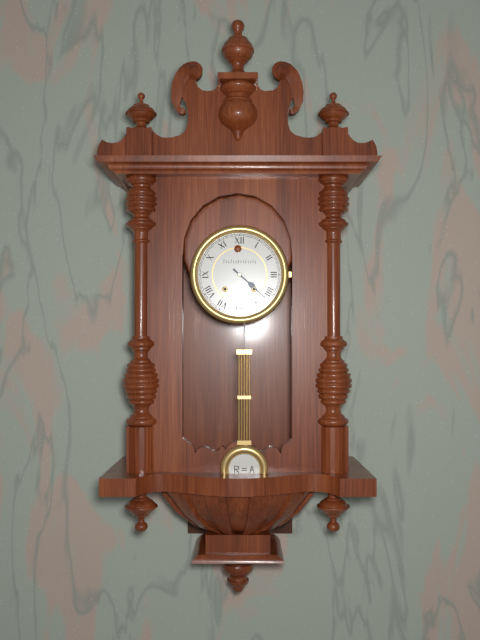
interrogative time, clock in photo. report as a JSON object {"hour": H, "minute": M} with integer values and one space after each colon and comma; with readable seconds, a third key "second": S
{"hour": 4, "minute": 22}
